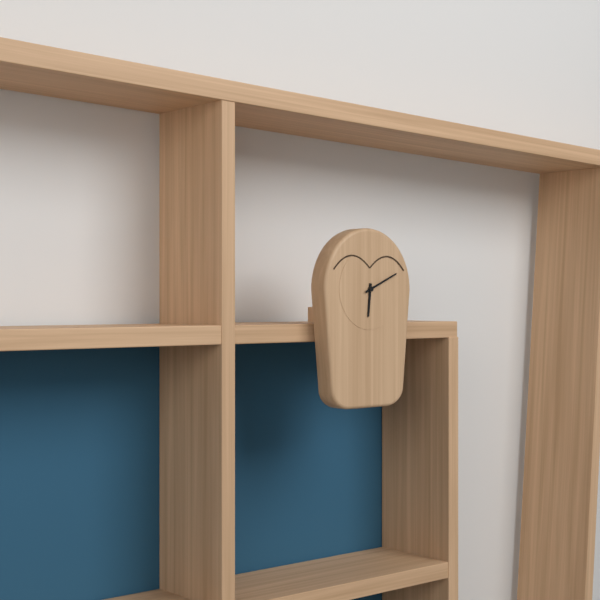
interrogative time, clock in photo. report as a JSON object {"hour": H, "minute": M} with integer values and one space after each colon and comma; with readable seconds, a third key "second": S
{"hour": 6, "minute": 11}
